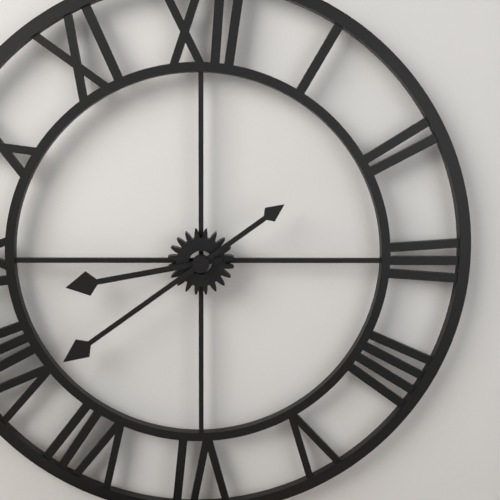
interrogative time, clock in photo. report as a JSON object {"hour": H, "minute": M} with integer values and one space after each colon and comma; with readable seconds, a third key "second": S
{"hour": 8, "minute": 39}
